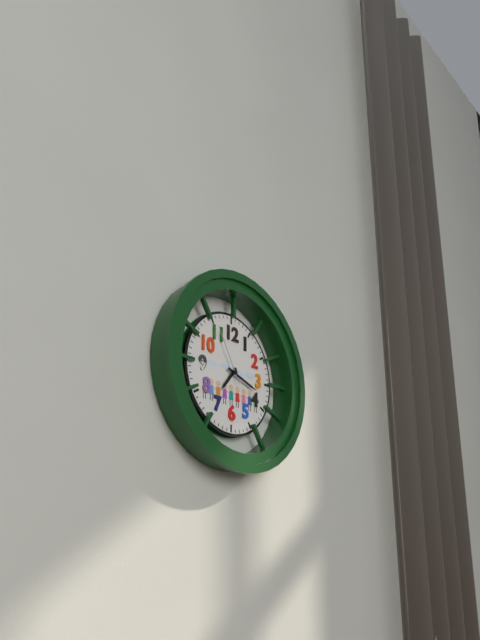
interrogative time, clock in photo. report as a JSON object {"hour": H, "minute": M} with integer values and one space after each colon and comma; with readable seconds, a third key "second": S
{"hour": 7, "minute": 18, "second": 55}
